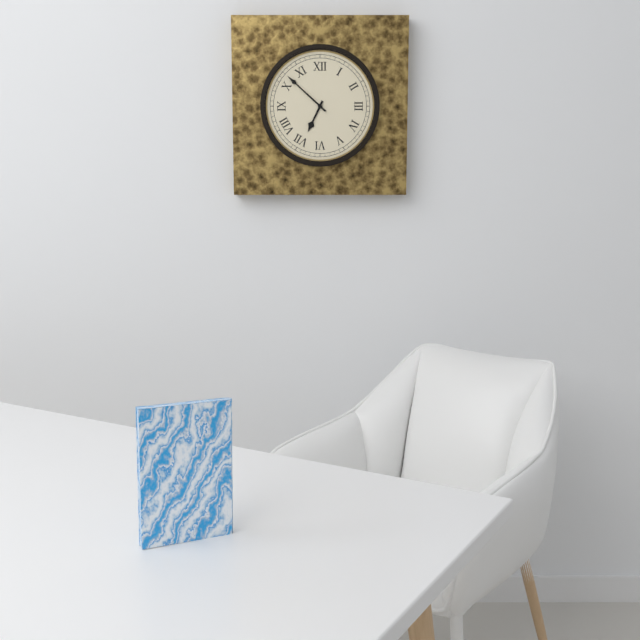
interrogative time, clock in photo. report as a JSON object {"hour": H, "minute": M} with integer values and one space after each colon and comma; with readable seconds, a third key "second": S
{"hour": 6, "minute": 52}
